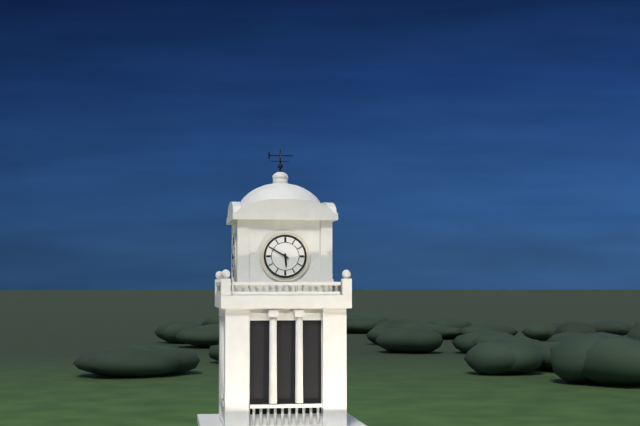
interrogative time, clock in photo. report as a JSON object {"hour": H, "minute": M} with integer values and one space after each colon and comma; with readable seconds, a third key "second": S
{"hour": 5, "minute": 50}
